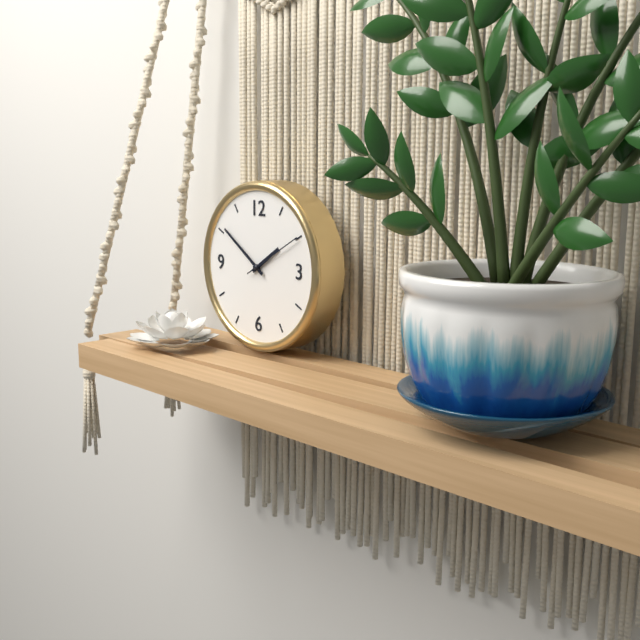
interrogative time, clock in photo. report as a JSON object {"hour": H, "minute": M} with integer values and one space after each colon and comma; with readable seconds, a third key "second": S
{"hour": 1, "minute": 51, "second": 10}
